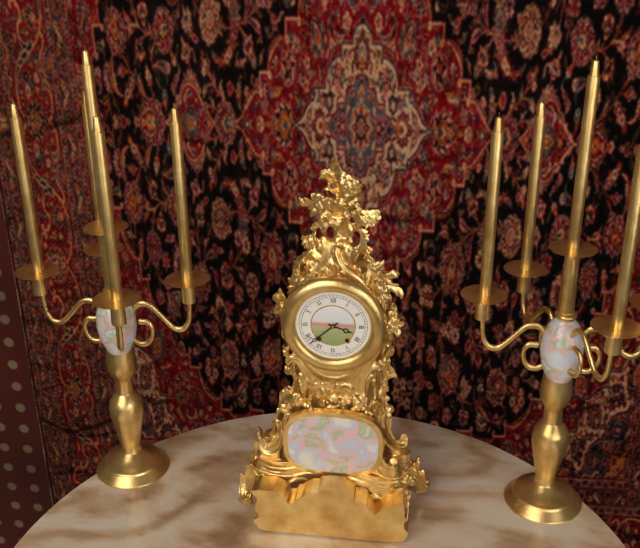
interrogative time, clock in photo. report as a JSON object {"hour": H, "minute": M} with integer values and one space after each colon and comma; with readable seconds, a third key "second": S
{"hour": 3, "minute": 38}
